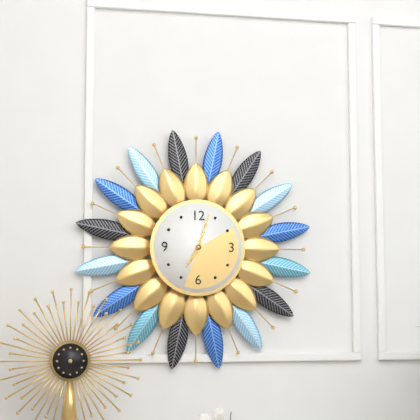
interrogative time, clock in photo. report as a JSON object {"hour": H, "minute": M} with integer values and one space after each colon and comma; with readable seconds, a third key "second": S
{"hour": 7, "minute": 3}
